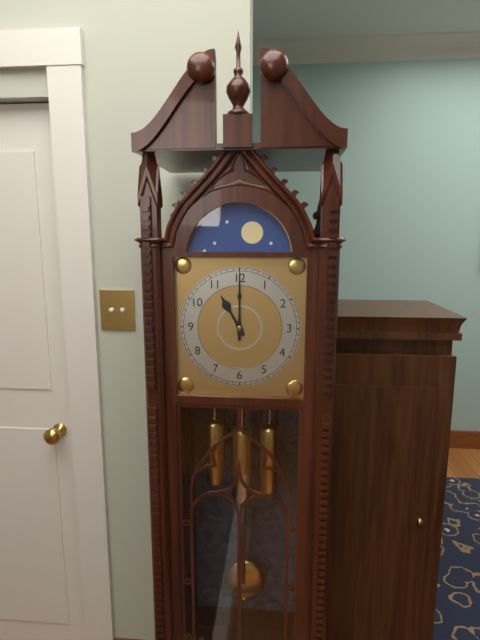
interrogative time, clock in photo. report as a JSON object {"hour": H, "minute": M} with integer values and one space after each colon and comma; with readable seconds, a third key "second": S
{"hour": 11, "minute": 0}
